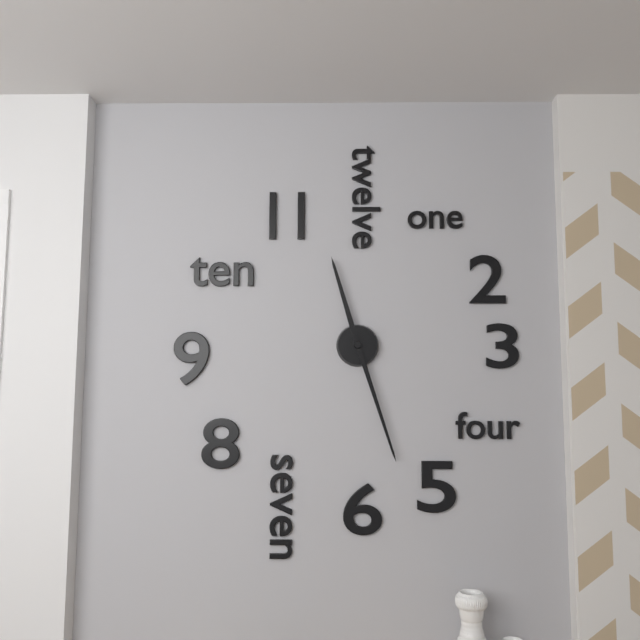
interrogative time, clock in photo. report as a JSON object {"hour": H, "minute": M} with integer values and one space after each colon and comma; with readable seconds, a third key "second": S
{"hour": 11, "minute": 27}
